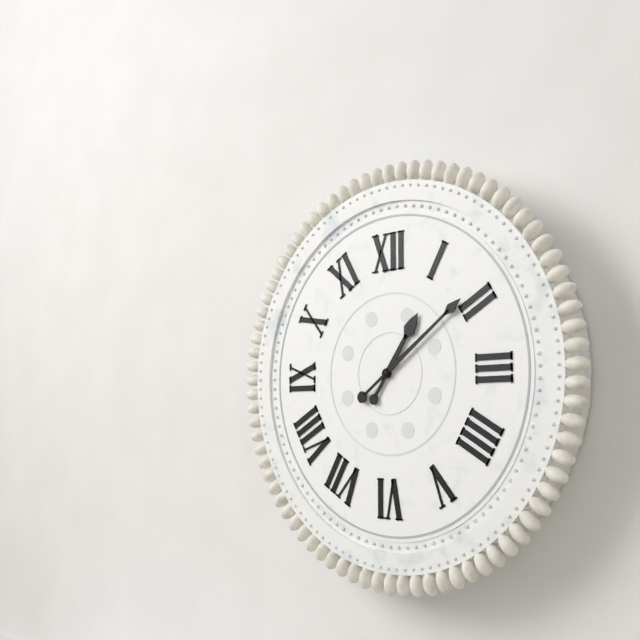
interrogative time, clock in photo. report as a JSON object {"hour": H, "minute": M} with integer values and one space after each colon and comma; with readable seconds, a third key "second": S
{"hour": 1, "minute": 9}
